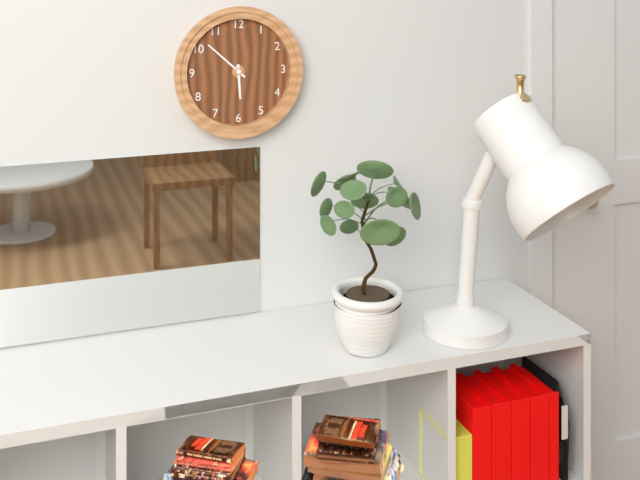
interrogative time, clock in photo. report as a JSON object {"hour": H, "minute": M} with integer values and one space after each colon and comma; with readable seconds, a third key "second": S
{"hour": 5, "minute": 52}
